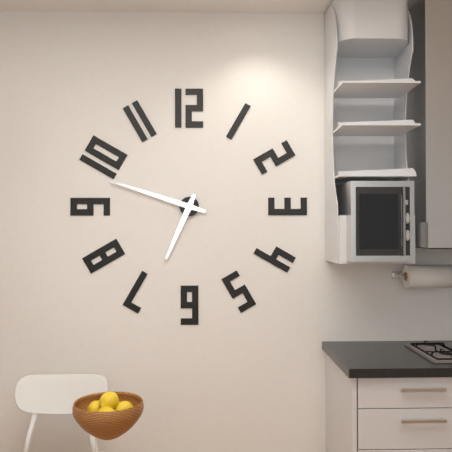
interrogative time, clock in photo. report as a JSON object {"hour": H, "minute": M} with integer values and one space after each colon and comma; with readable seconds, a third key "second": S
{"hour": 6, "minute": 48}
